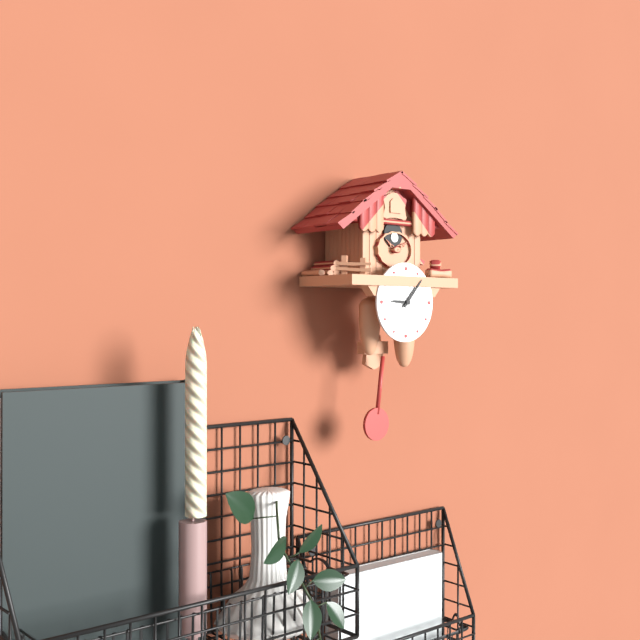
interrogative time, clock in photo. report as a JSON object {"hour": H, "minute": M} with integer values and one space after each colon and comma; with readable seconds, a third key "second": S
{"hour": 9, "minute": 7}
